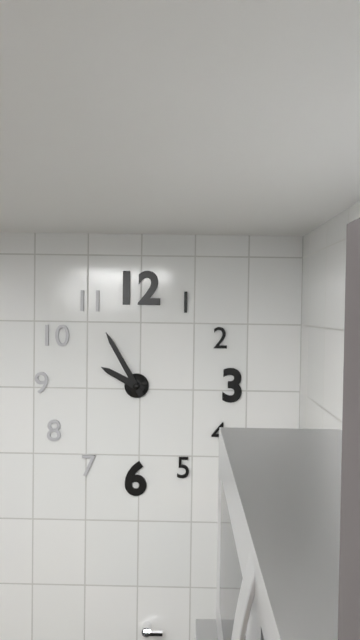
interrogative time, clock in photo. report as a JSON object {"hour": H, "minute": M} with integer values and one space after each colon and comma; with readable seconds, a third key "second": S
{"hour": 9, "minute": 55}
